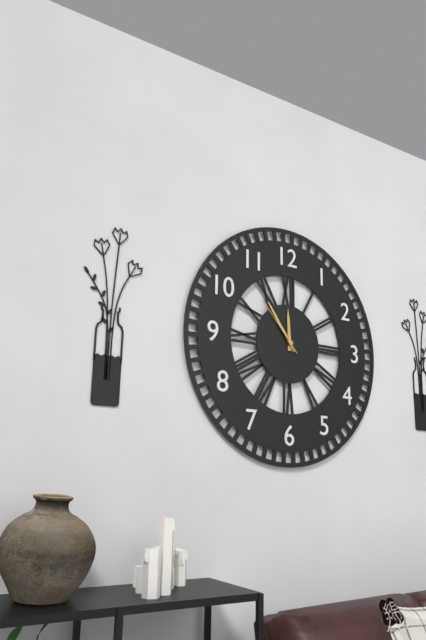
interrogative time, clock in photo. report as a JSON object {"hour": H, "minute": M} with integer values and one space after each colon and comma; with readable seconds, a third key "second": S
{"hour": 11, "minute": 54, "second": 53}
